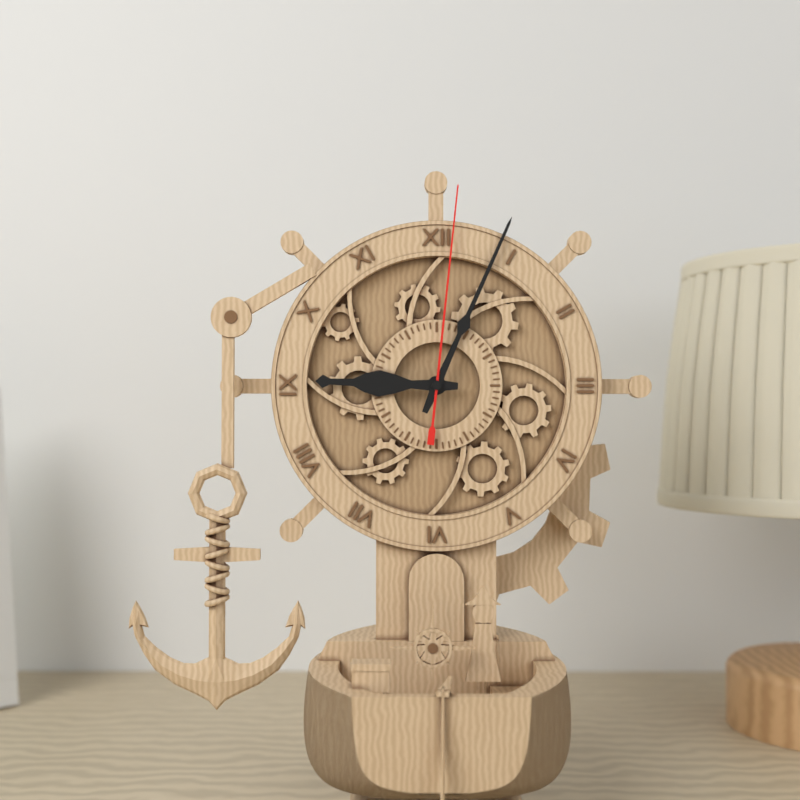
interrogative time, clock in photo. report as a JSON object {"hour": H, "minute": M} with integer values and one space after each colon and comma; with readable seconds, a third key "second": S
{"hour": 9, "minute": 4, "second": 1}
